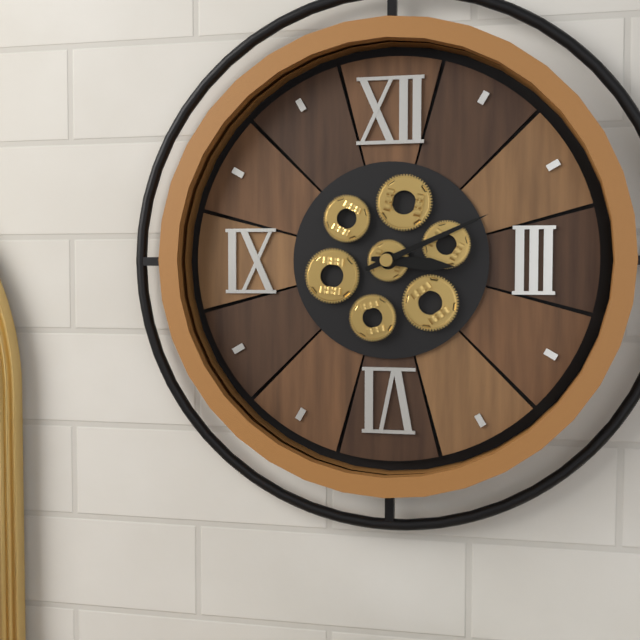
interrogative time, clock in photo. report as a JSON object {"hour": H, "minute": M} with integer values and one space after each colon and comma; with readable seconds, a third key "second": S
{"hour": 3, "minute": 11}
